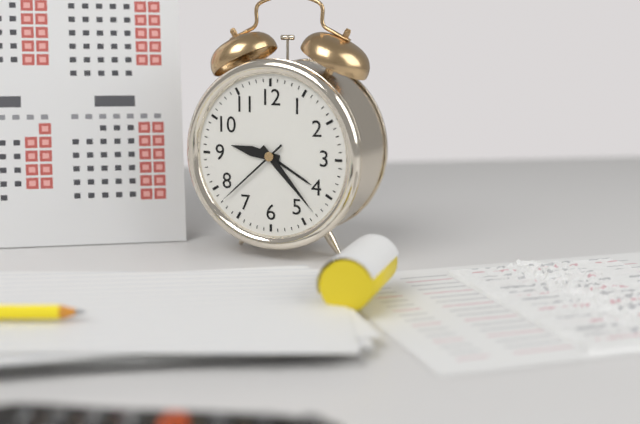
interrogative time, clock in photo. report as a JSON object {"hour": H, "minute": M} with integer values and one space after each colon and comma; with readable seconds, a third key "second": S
{"hour": 9, "minute": 23, "second": 38}
